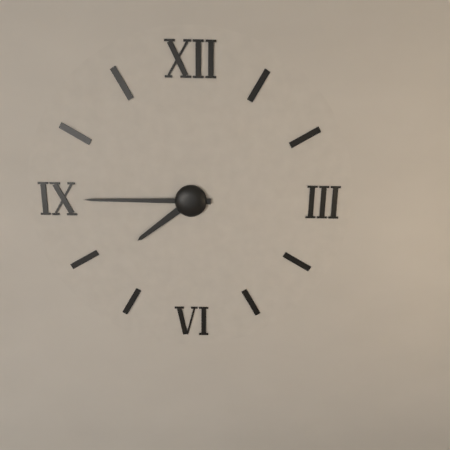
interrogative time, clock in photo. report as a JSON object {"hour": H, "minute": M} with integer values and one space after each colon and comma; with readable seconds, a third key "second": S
{"hour": 7, "minute": 45}
